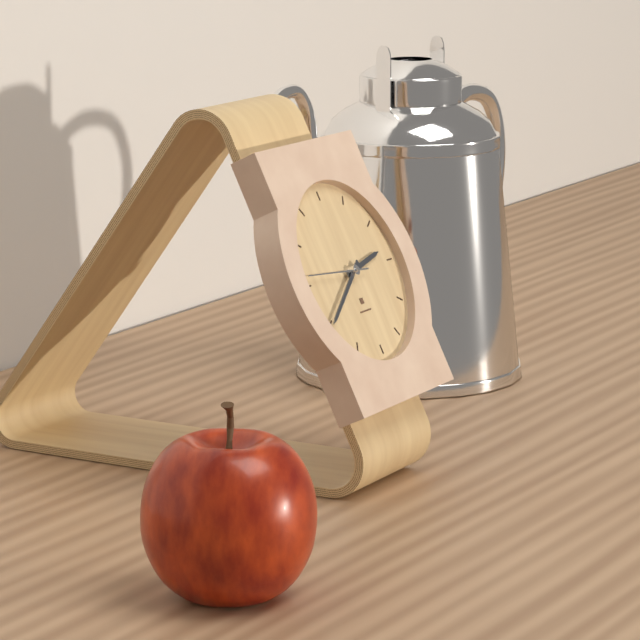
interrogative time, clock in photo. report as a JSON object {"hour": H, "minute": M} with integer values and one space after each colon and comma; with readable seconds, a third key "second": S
{"hour": 2, "minute": 40}
